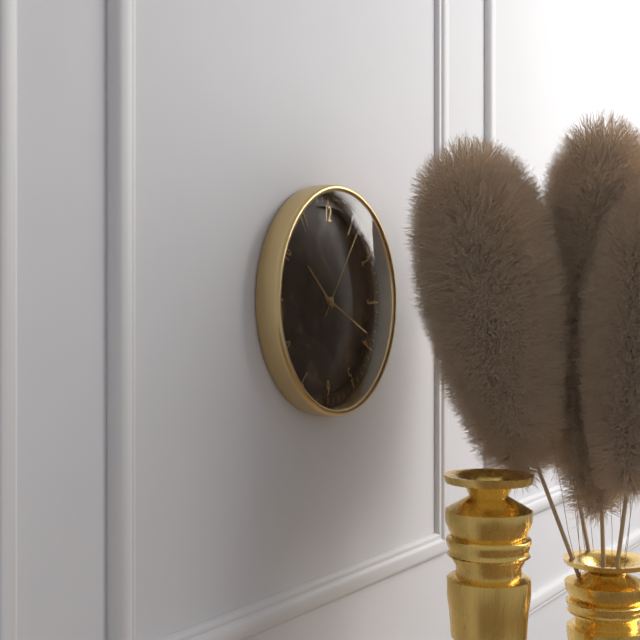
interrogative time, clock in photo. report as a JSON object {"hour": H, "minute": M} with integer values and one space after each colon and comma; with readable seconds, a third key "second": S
{"hour": 10, "minute": 19, "second": 6}
